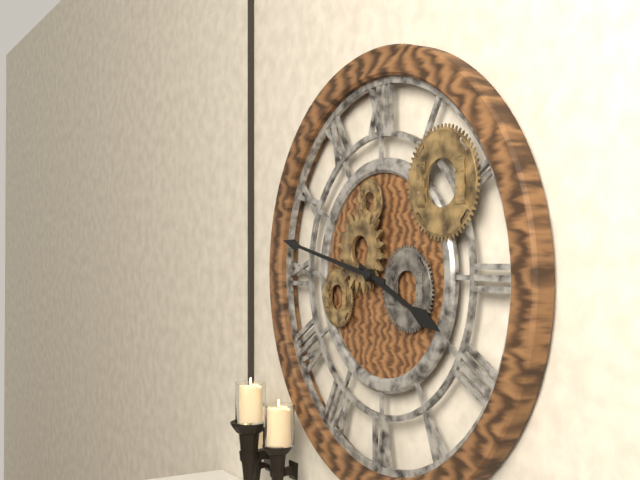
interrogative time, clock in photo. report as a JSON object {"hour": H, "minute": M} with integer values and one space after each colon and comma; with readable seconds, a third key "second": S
{"hour": 3, "minute": 47}
